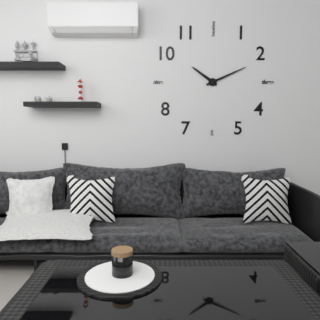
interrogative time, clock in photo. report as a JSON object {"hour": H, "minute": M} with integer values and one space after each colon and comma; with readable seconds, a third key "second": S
{"hour": 10, "minute": 11}
